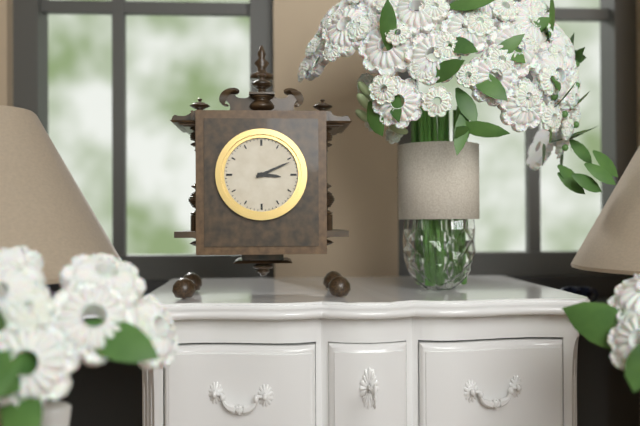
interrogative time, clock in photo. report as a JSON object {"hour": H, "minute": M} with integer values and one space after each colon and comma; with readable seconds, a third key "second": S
{"hour": 3, "minute": 11}
